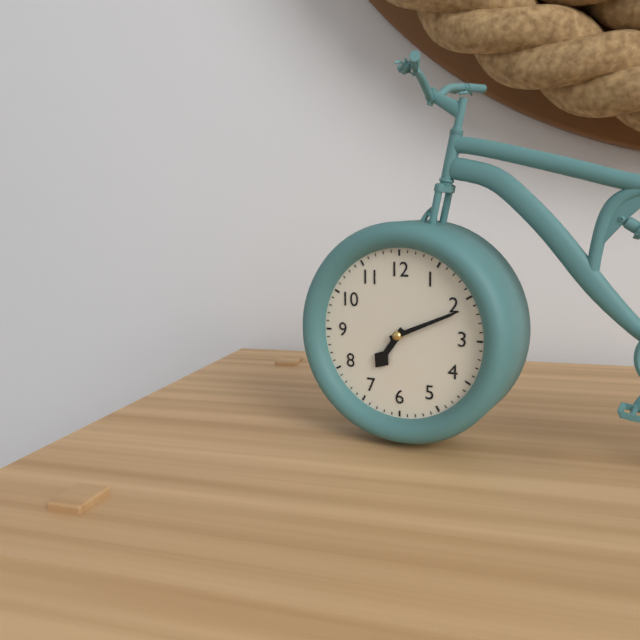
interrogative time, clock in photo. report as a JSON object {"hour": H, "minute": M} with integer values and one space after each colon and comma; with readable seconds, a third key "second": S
{"hour": 7, "minute": 11}
